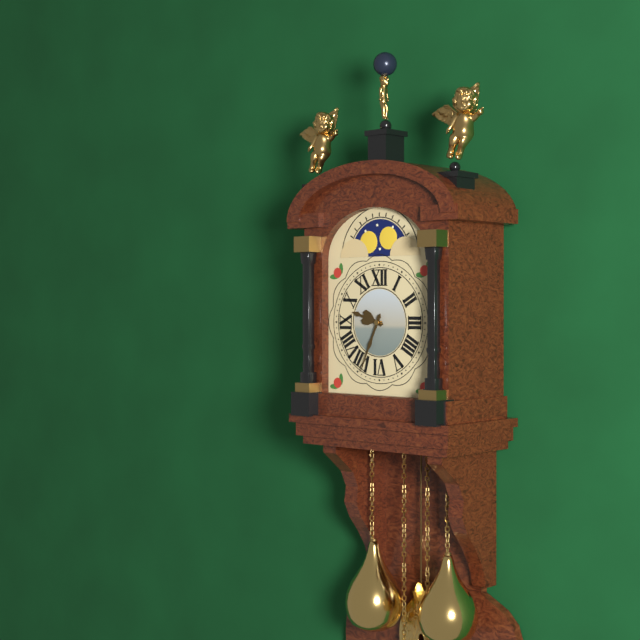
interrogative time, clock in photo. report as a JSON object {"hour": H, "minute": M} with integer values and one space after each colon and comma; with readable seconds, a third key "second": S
{"hour": 9, "minute": 34}
